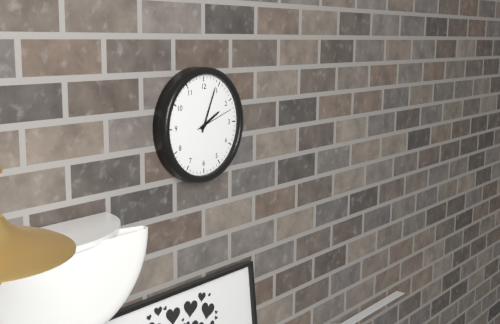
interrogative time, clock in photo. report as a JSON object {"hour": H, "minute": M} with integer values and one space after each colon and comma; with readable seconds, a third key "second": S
{"hour": 2, "minute": 4, "second": 12}
